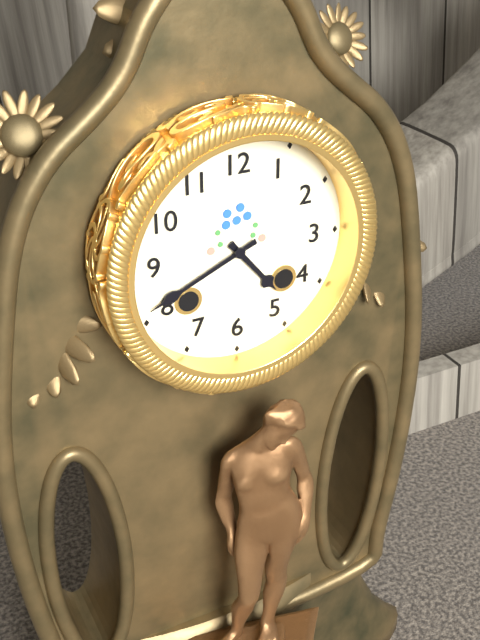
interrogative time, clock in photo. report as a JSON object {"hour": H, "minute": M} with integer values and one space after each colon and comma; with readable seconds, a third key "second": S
{"hour": 4, "minute": 41}
